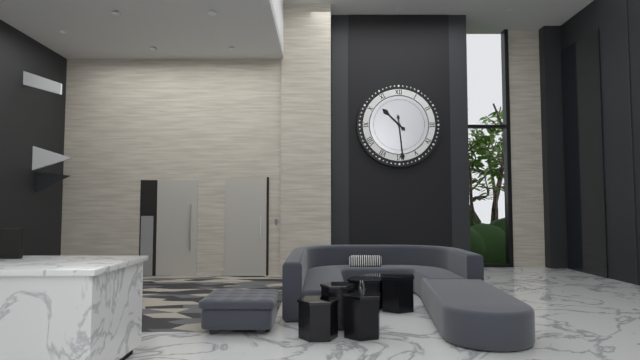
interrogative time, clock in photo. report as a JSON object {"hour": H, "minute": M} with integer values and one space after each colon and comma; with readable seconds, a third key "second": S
{"hour": 10, "minute": 29}
